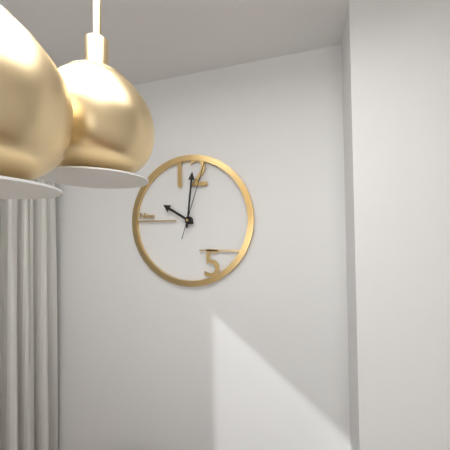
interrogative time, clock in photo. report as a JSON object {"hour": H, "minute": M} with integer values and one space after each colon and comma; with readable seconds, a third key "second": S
{"hour": 10, "minute": 1, "second": 3}
